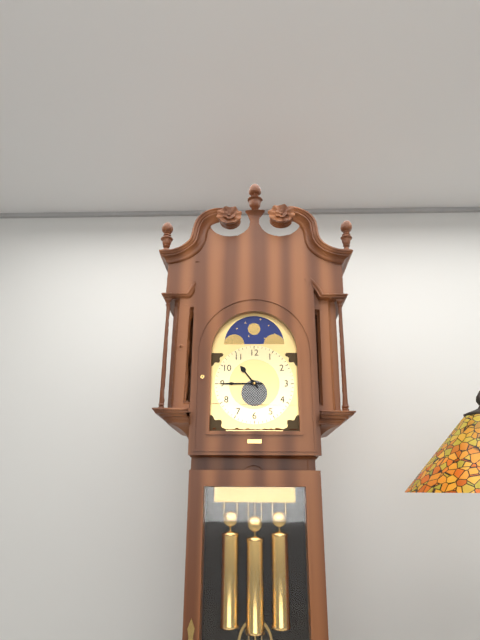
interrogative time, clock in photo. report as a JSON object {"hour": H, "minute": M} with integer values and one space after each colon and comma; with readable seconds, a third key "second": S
{"hour": 10, "minute": 45}
